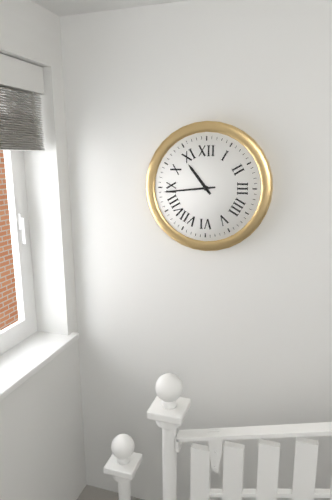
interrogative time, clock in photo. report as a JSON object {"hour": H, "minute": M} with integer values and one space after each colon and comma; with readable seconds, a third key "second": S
{"hour": 10, "minute": 44}
